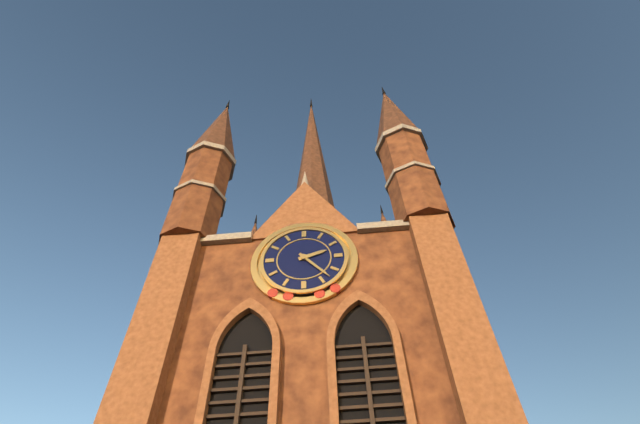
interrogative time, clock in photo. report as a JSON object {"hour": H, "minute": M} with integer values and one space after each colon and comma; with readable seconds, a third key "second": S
{"hour": 2, "minute": 23}
